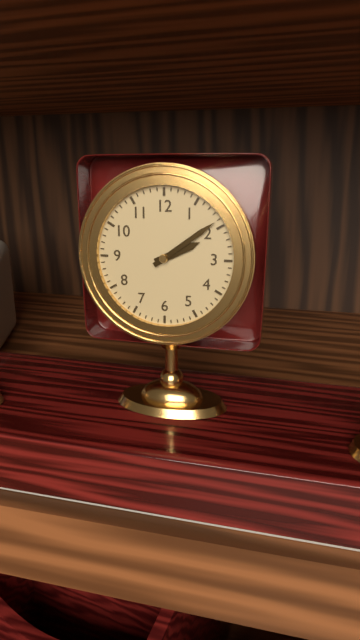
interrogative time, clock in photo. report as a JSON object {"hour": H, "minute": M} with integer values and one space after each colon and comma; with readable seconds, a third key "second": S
{"hour": 2, "minute": 9}
